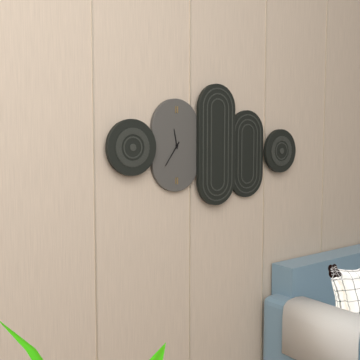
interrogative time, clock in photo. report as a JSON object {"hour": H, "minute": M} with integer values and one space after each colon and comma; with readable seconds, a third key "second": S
{"hour": 11, "minute": 36}
